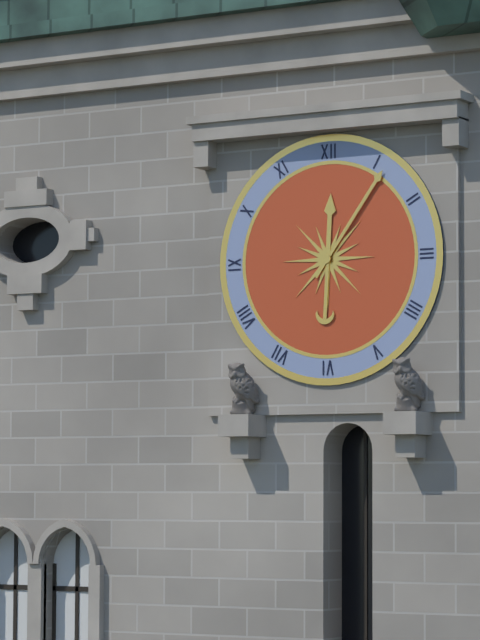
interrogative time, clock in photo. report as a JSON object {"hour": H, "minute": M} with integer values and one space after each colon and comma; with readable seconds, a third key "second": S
{"hour": 12, "minute": 6}
